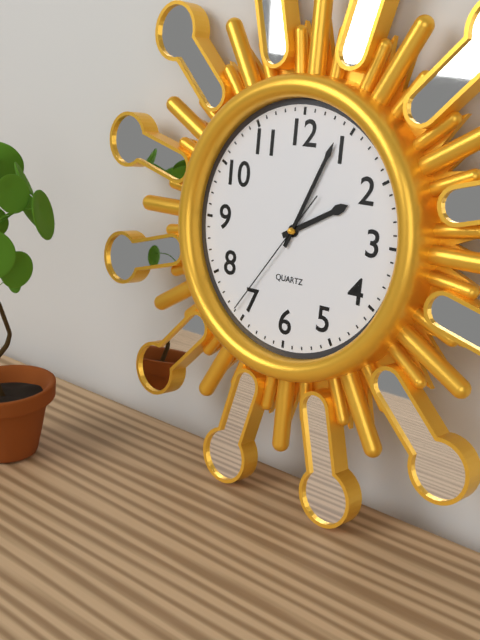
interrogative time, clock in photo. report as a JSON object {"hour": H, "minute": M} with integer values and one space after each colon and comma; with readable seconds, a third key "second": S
{"hour": 2, "minute": 4, "second": 36}
